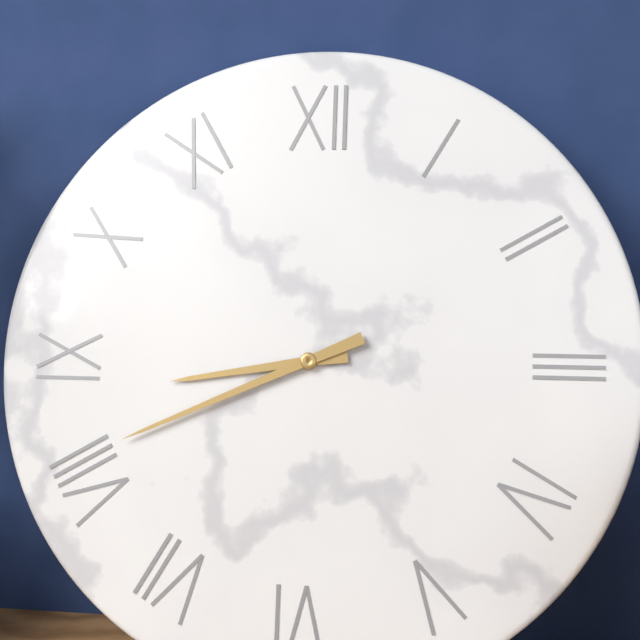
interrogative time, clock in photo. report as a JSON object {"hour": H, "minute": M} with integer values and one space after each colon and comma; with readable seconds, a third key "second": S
{"hour": 8, "minute": 41}
